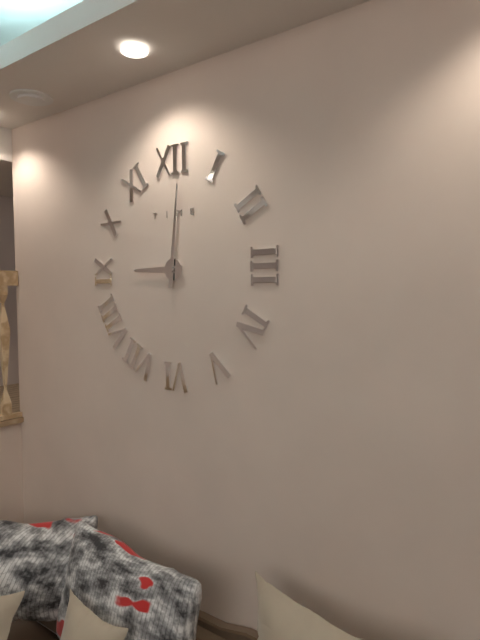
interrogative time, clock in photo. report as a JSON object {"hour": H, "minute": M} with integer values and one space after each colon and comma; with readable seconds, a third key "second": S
{"hour": 9, "minute": 1}
